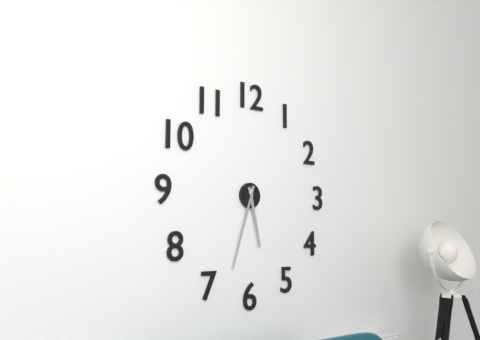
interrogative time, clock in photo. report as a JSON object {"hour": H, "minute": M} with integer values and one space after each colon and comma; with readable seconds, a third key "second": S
{"hour": 5, "minute": 33}
